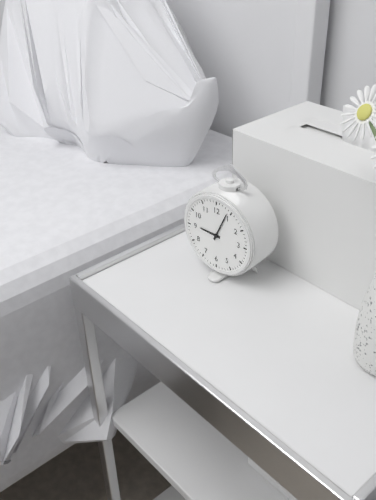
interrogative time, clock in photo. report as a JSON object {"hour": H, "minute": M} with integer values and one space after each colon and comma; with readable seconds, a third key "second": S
{"hour": 9, "minute": 4}
